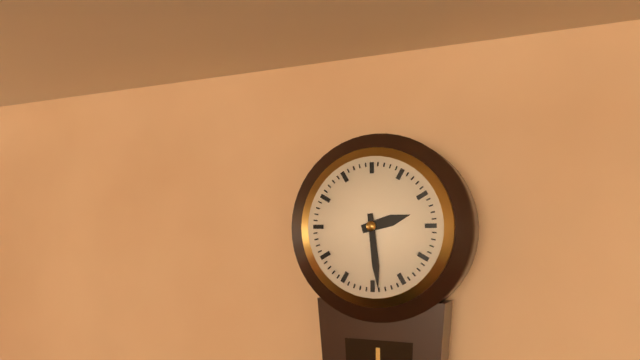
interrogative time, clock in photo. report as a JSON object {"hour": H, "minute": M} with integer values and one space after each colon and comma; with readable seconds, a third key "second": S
{"hour": 2, "minute": 29}
